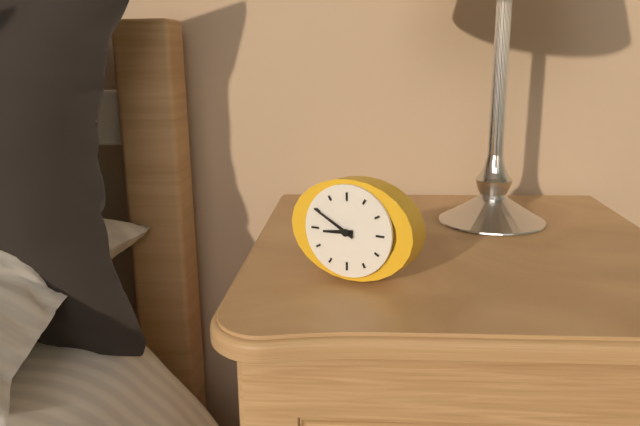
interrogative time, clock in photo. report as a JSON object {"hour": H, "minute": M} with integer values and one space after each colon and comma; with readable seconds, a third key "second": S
{"hour": 8, "minute": 50}
